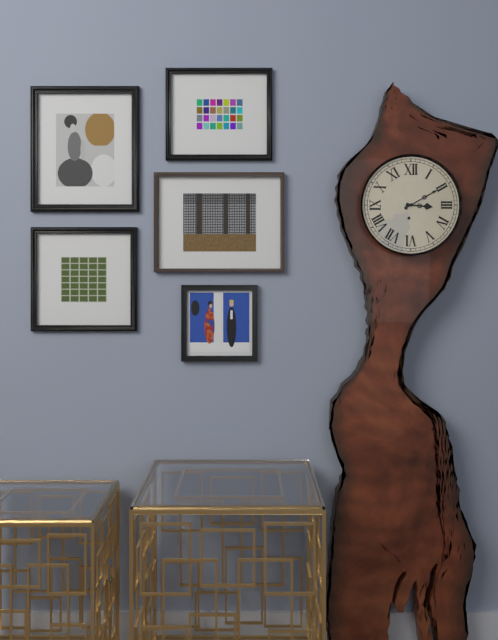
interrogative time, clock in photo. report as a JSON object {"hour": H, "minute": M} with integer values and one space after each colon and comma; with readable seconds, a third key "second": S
{"hour": 3, "minute": 10}
